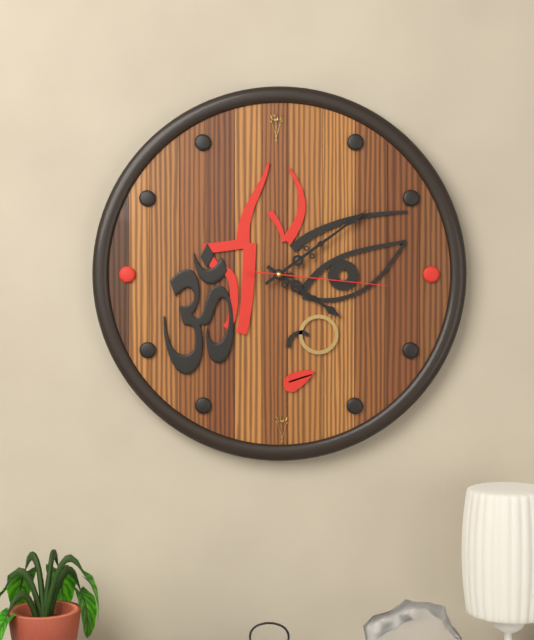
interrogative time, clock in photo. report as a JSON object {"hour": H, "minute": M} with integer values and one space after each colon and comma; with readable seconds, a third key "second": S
{"hour": 4, "minute": 9, "second": 16}
